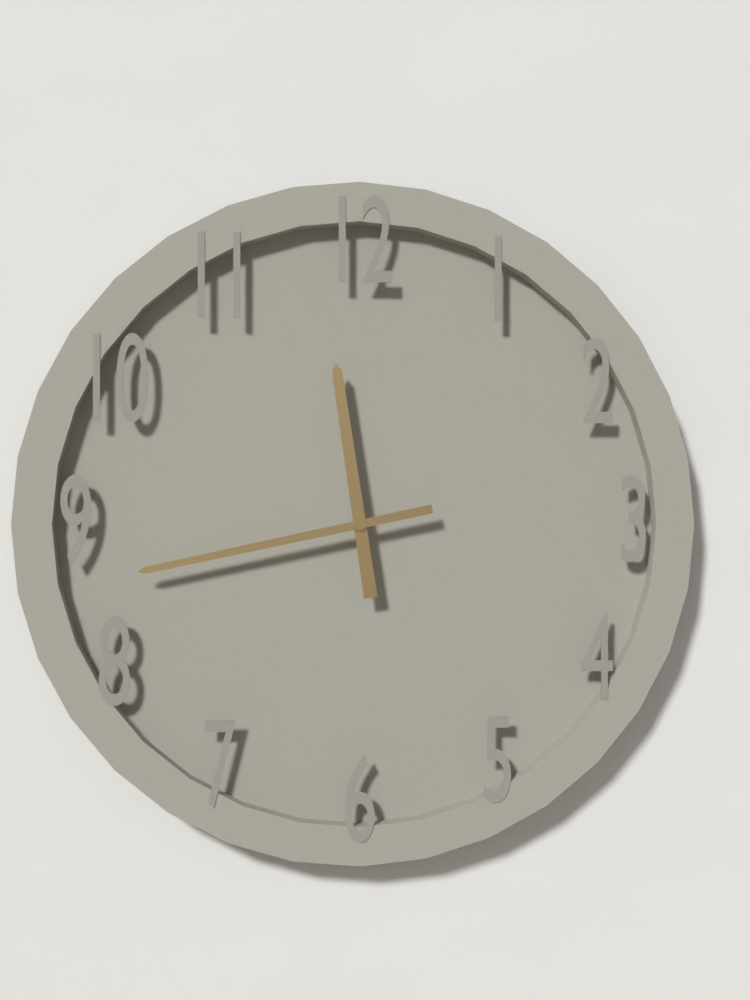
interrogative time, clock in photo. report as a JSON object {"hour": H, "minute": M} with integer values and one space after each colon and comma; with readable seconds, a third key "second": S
{"hour": 11, "minute": 43}
